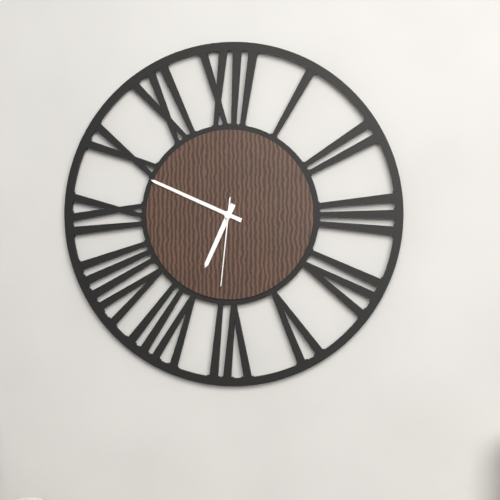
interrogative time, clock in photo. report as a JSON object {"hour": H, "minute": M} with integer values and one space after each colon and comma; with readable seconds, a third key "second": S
{"hour": 6, "minute": 49, "second": 31}
